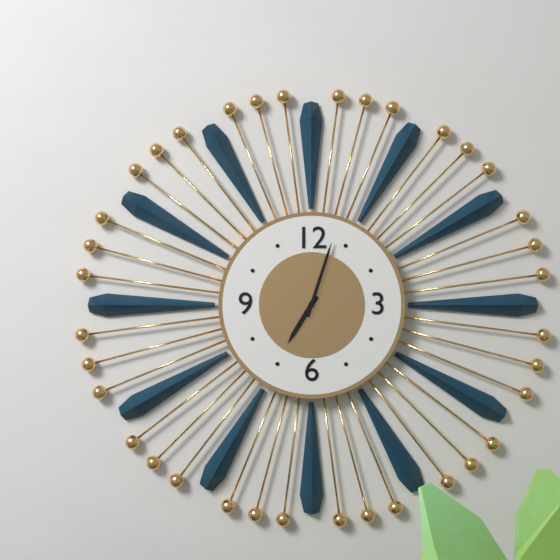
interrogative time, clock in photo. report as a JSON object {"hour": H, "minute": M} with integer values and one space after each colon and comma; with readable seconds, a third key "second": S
{"hour": 7, "minute": 3}
